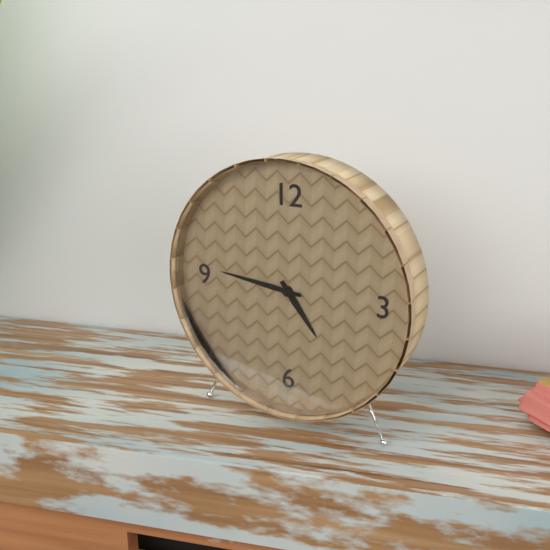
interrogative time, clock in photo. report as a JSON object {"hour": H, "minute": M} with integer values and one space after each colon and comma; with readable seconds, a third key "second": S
{"hour": 4, "minute": 46}
